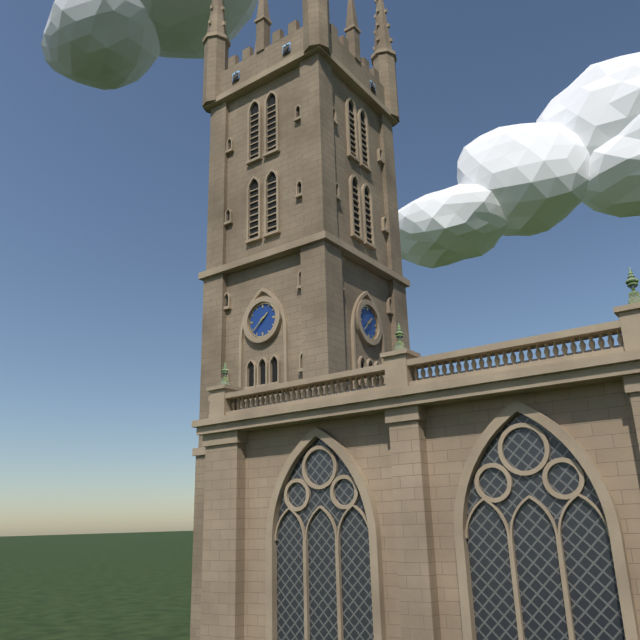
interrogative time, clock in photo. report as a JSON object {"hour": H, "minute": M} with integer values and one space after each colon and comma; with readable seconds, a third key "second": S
{"hour": 1, "minute": 38}
